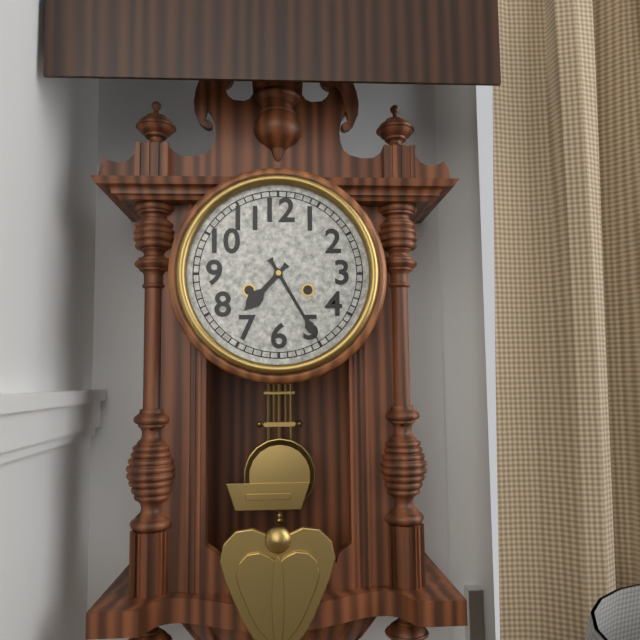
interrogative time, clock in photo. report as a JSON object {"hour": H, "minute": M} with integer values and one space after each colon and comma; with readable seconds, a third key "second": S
{"hour": 7, "minute": 25}
